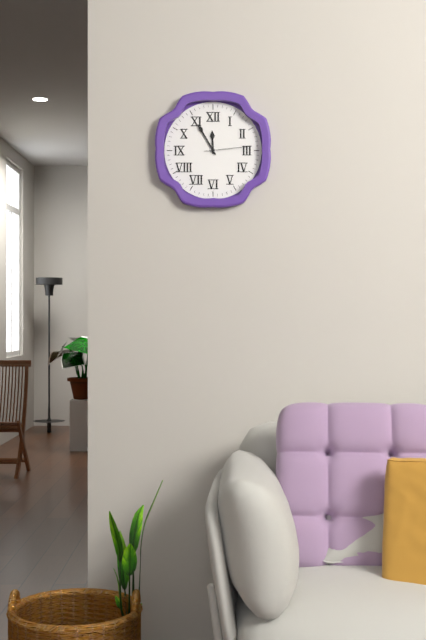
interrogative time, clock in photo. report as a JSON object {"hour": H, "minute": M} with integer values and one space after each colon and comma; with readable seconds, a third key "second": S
{"hour": 11, "minute": 55}
